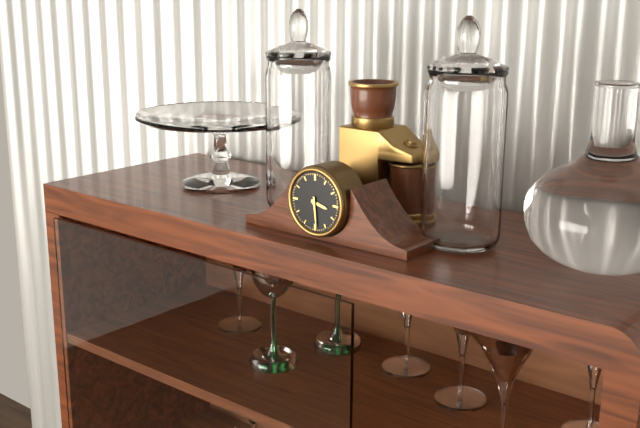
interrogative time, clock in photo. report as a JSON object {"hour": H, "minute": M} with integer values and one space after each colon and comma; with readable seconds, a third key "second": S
{"hour": 3, "minute": 29}
